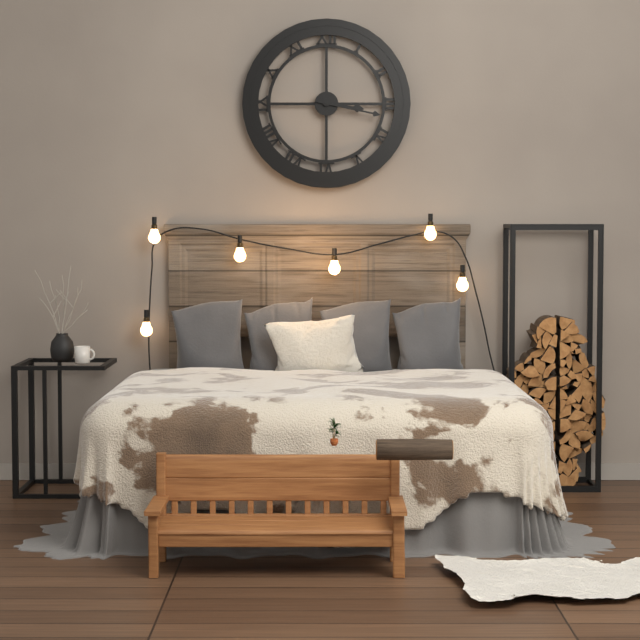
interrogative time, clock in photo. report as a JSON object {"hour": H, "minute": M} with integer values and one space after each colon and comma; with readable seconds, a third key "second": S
{"hour": 3, "minute": 17}
